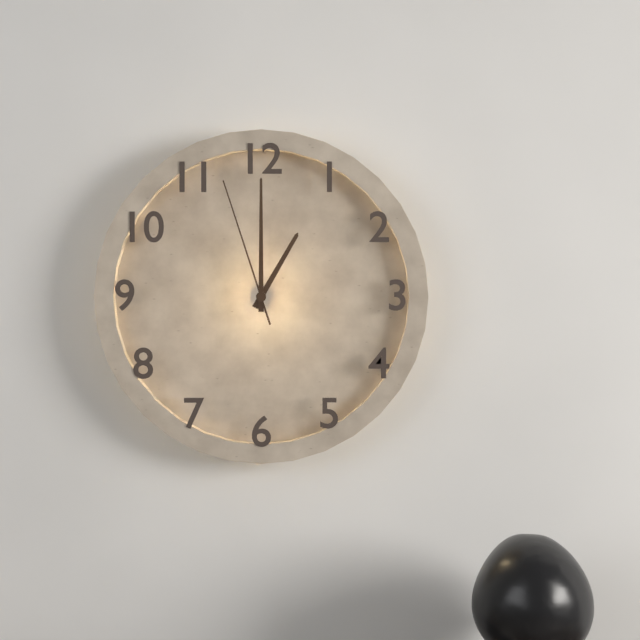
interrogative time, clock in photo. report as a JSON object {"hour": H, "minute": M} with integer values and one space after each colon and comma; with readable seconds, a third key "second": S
{"hour": 1, "minute": 0, "second": 57}
